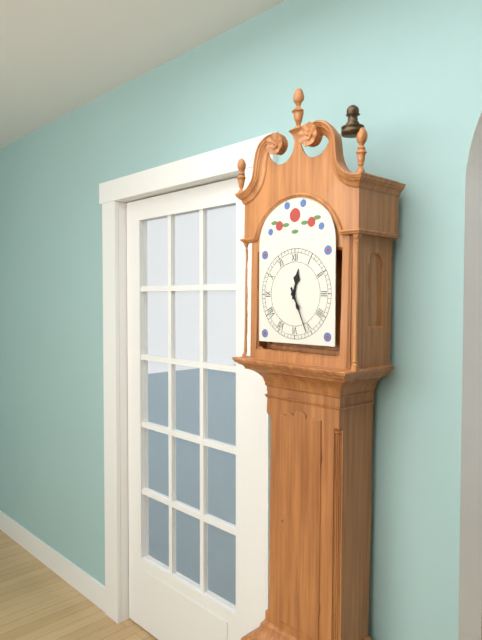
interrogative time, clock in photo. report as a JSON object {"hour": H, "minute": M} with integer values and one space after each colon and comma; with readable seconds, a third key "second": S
{"hour": 12, "minute": 26}
